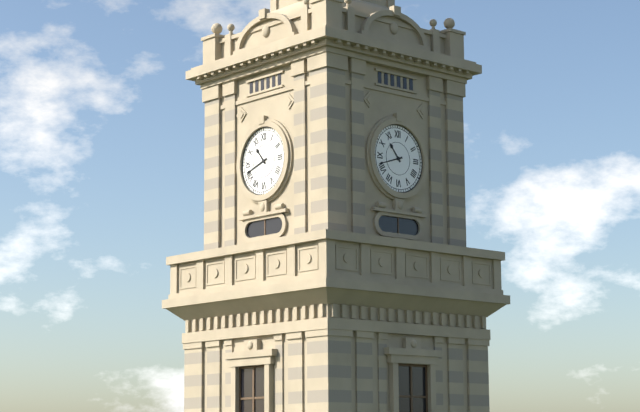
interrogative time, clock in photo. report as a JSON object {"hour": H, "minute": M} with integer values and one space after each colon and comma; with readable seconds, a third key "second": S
{"hour": 10, "minute": 42}
